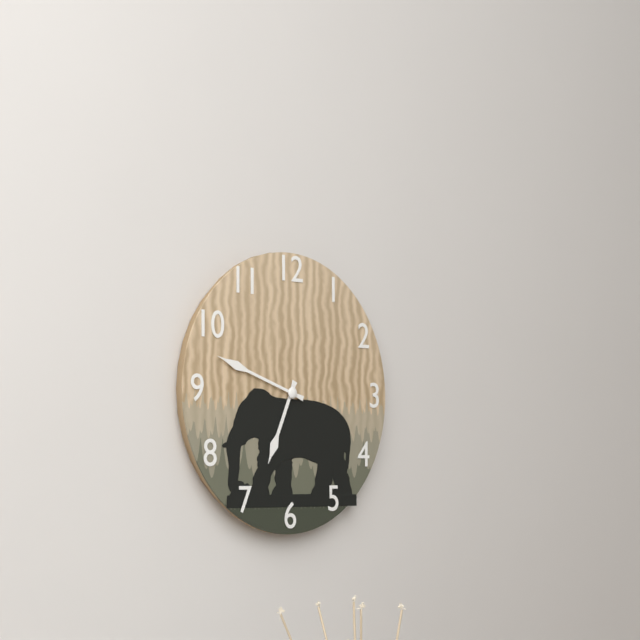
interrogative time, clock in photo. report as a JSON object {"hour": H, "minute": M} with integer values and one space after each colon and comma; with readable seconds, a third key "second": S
{"hour": 6, "minute": 48}
